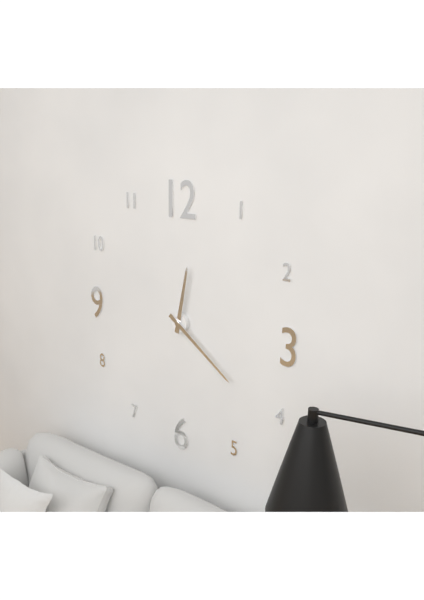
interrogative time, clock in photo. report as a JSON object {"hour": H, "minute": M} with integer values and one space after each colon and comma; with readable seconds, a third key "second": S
{"hour": 12, "minute": 21}
